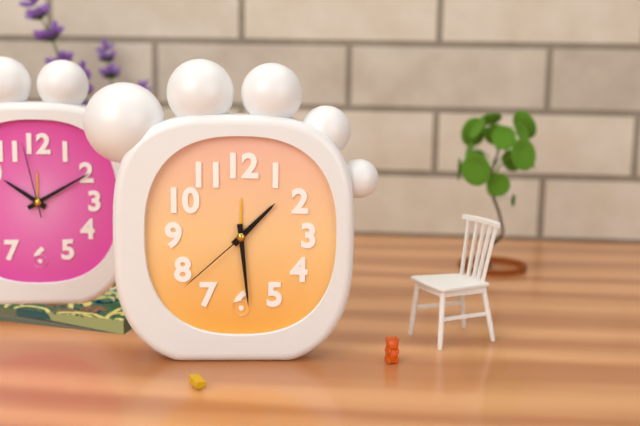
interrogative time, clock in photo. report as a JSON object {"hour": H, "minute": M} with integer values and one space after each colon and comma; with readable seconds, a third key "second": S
{"hour": 1, "minute": 29, "second": 38}
